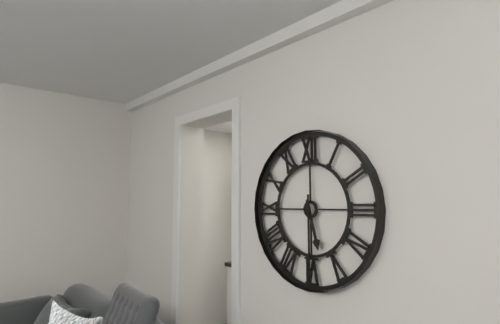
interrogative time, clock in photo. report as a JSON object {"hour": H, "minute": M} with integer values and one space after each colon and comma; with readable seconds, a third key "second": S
{"hour": 5, "minute": 30}
